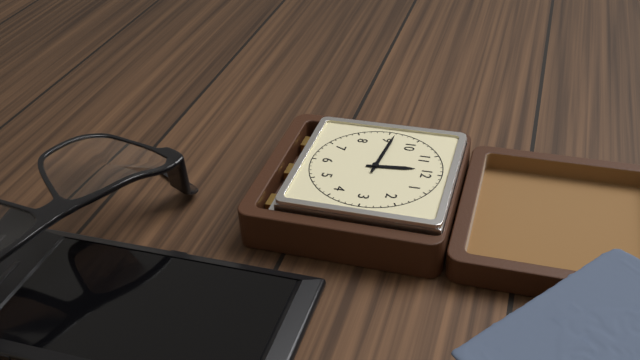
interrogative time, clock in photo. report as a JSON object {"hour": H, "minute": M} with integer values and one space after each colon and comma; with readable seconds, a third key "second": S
{"hour": 11, "minute": 46}
